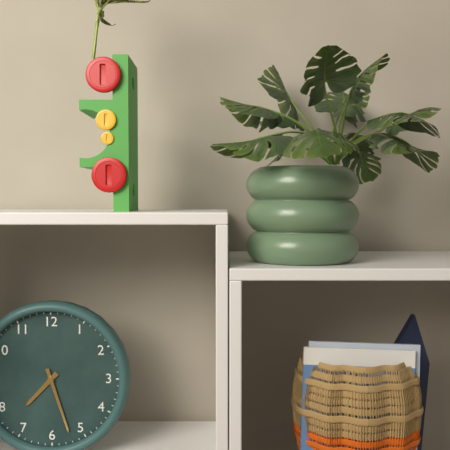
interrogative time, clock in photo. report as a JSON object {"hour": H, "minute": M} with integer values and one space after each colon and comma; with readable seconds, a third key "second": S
{"hour": 7, "minute": 27}
